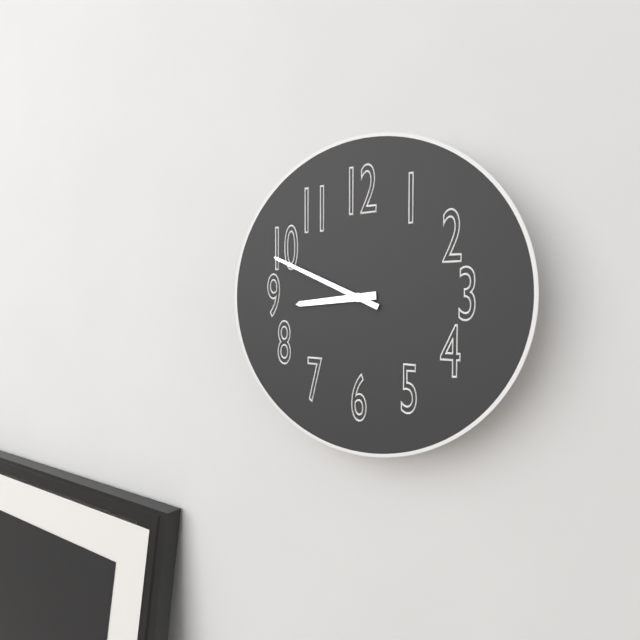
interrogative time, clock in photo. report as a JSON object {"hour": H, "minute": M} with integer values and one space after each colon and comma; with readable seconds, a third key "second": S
{"hour": 8, "minute": 49}
